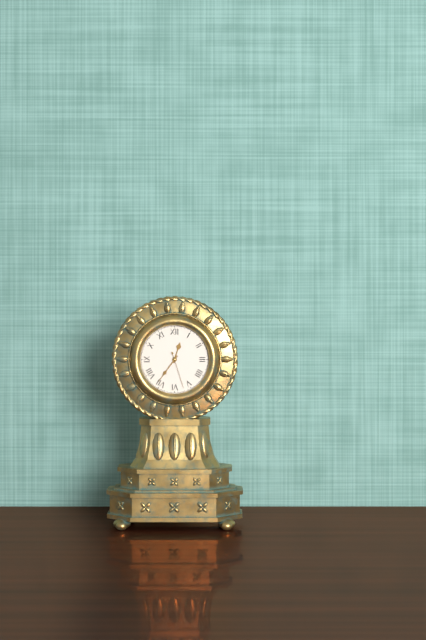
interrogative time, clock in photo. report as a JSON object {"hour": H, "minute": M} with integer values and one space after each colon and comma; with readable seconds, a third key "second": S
{"hour": 12, "minute": 36}
